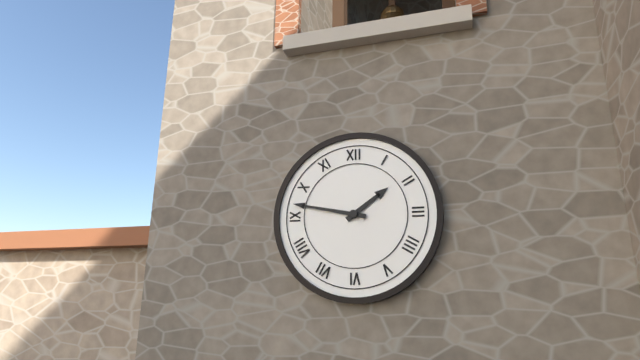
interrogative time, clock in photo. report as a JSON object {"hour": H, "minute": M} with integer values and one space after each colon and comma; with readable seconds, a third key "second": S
{"hour": 1, "minute": 47}
